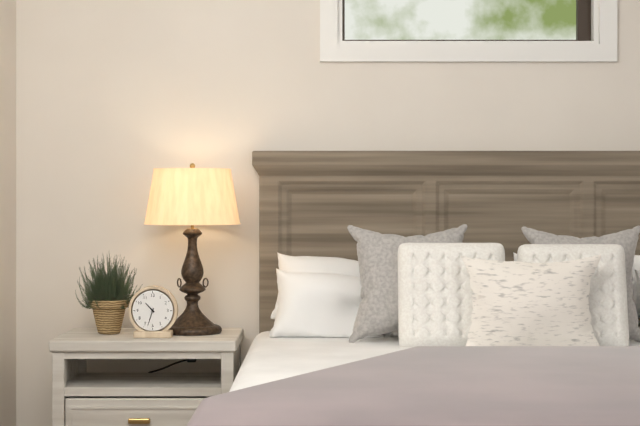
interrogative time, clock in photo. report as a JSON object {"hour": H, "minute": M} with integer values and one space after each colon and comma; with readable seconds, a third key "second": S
{"hour": 10, "minute": 33}
